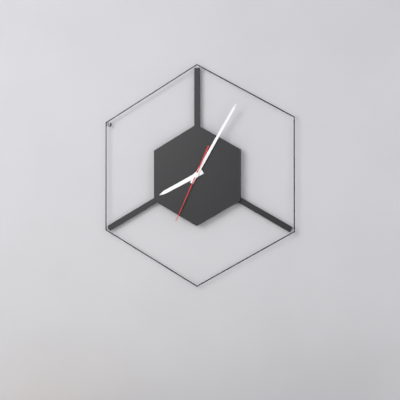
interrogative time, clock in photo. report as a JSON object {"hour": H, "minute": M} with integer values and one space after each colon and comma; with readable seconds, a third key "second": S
{"hour": 8, "minute": 5, "second": 34}
